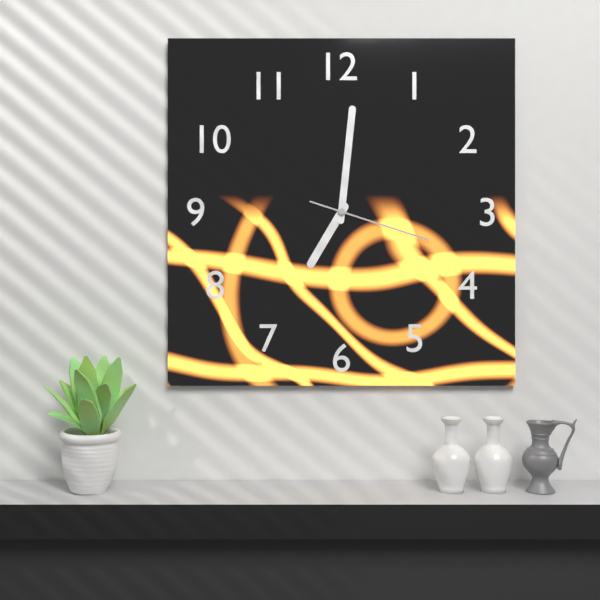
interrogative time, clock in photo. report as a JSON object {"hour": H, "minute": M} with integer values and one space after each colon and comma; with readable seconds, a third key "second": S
{"hour": 7, "minute": 1, "second": 18}
